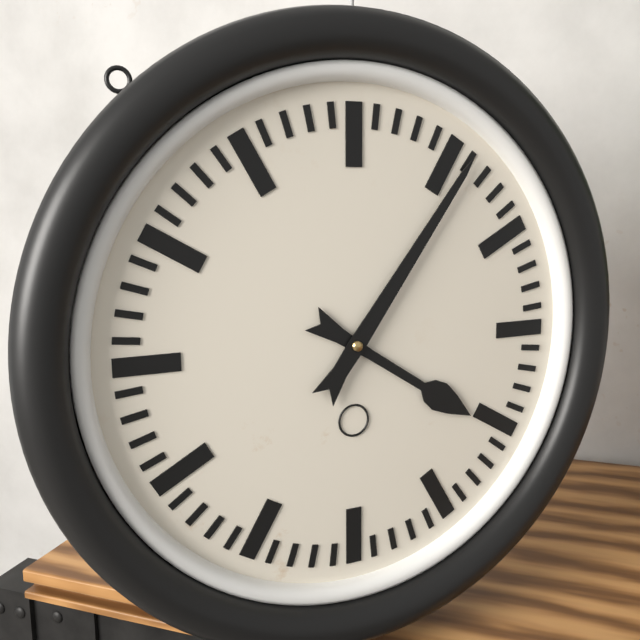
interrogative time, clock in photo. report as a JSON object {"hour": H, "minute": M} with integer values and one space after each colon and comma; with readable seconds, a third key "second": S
{"hour": 4, "minute": 6}
